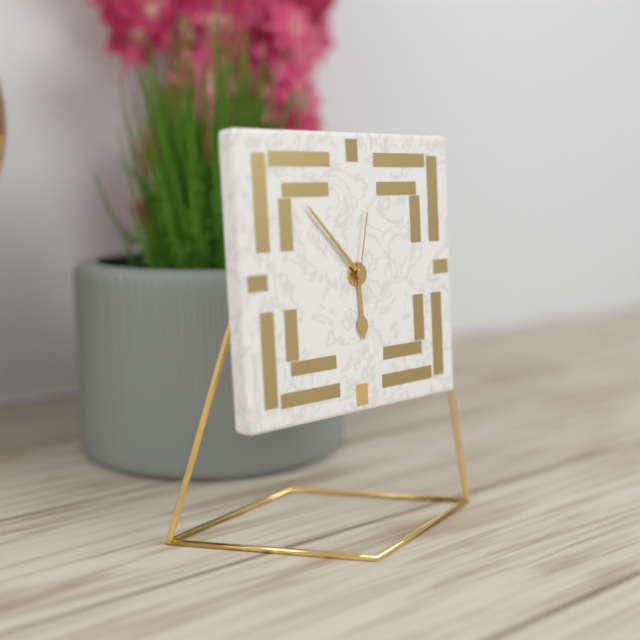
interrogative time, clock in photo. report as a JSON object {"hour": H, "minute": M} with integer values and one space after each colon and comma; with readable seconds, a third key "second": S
{"hour": 5, "minute": 53, "second": 2}
